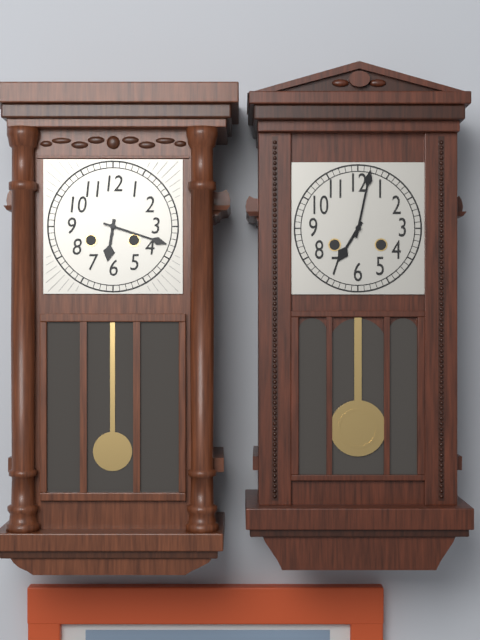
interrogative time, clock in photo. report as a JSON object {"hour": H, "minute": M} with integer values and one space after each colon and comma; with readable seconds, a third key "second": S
{"hour": 6, "minute": 18}
